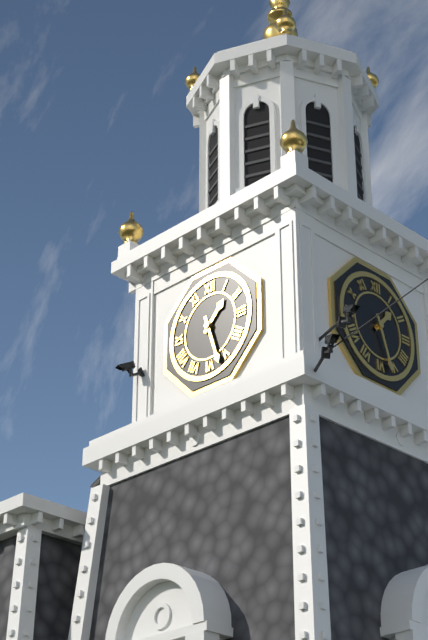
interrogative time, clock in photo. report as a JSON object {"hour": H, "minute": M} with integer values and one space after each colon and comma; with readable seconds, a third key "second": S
{"hour": 1, "minute": 27}
